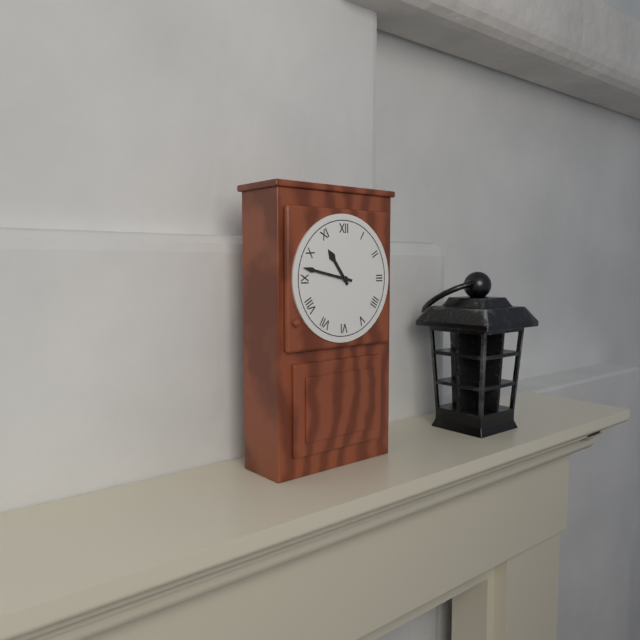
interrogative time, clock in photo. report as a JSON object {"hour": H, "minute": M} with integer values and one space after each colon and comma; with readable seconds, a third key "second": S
{"hour": 10, "minute": 47}
